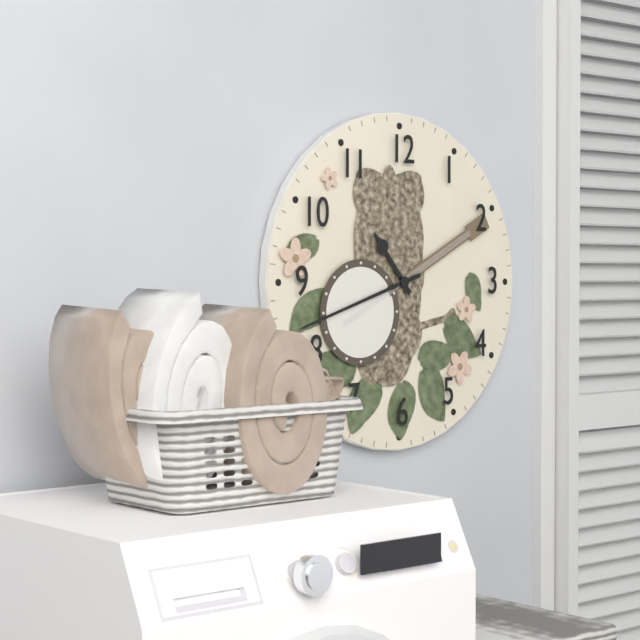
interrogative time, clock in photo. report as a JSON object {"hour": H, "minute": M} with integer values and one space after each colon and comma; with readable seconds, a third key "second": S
{"hour": 10, "minute": 42}
